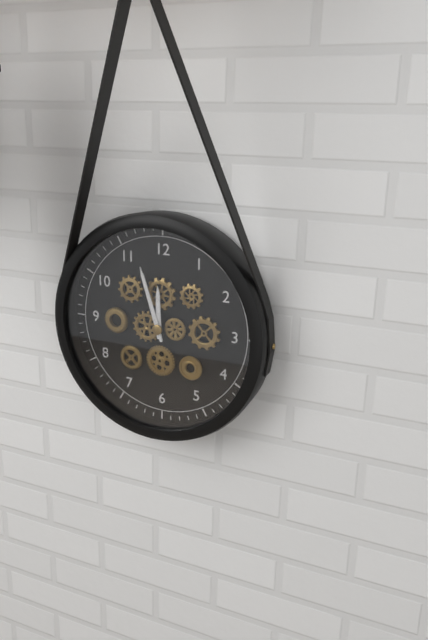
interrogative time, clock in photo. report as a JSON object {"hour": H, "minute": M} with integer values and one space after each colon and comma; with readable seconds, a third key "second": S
{"hour": 11, "minute": 57}
